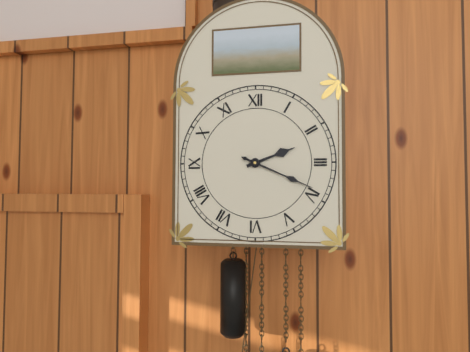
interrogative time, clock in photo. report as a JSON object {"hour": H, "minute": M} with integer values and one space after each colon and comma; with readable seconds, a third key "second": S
{"hour": 2, "minute": 19}
